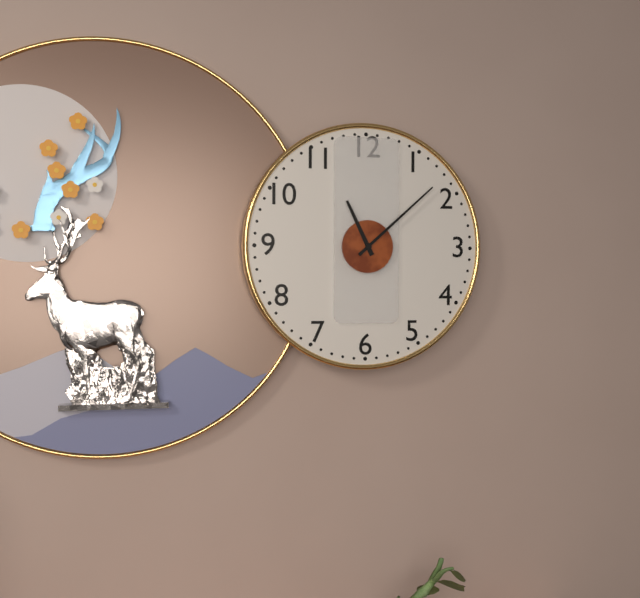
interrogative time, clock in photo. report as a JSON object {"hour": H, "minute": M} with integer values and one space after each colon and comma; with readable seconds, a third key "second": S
{"hour": 11, "minute": 8}
